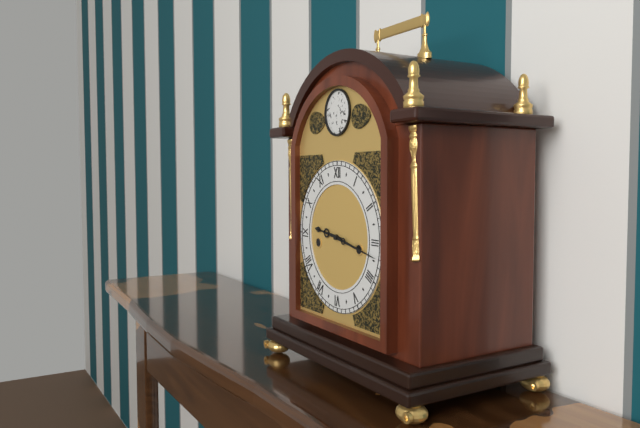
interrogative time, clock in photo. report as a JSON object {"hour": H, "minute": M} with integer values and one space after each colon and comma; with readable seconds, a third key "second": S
{"hour": 9, "minute": 17}
